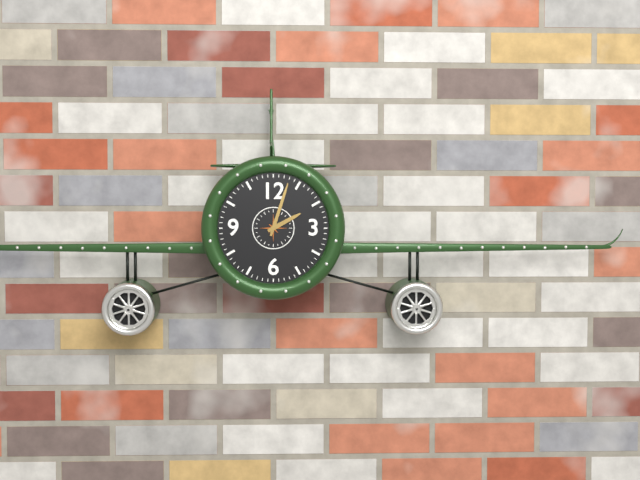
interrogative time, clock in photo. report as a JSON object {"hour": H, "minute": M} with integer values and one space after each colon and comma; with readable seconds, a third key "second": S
{"hour": 2, "minute": 3}
